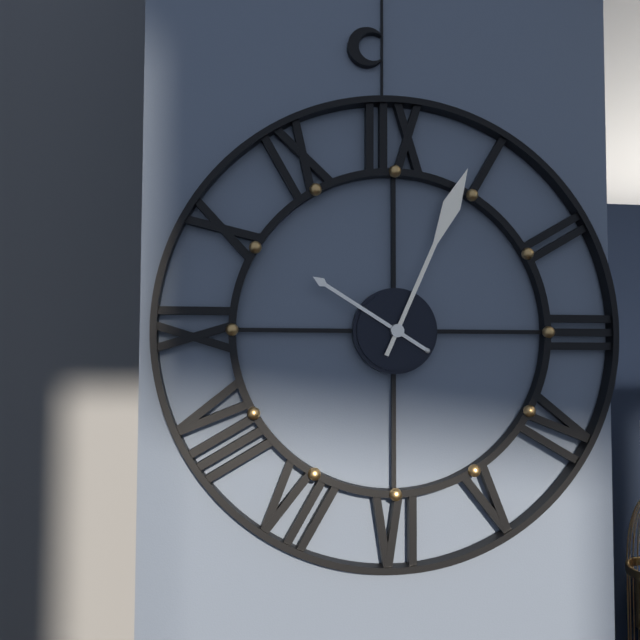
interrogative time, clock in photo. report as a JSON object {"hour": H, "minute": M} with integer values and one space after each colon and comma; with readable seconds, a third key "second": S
{"hour": 10, "minute": 4}
